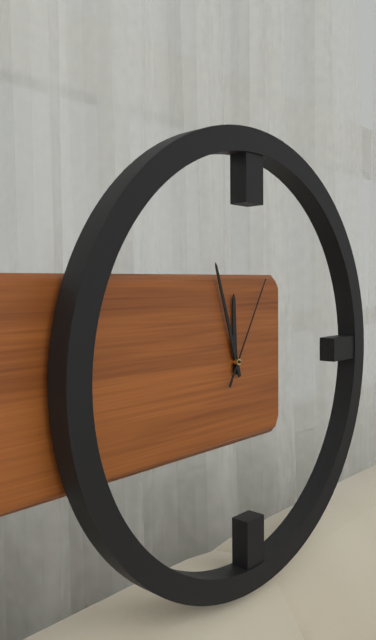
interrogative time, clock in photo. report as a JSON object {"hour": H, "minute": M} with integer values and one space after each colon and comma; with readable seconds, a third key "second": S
{"hour": 11, "minute": 57, "second": 5}
